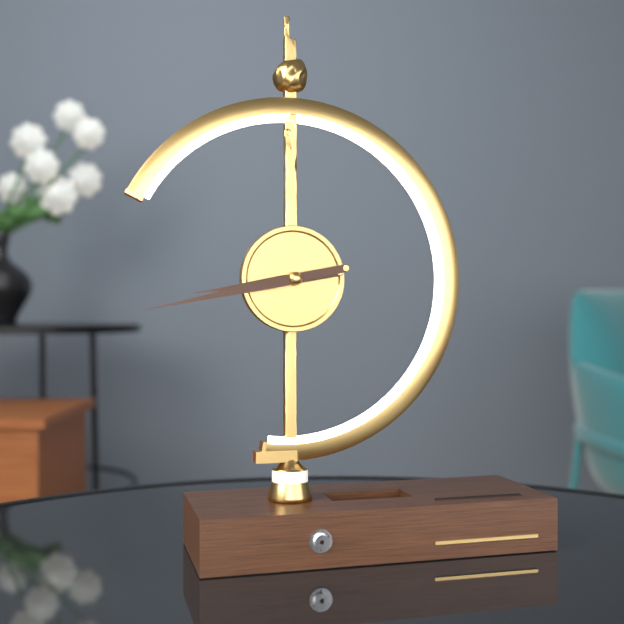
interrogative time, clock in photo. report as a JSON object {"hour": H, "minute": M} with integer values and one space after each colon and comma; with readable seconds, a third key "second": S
{"hour": 8, "minute": 43}
